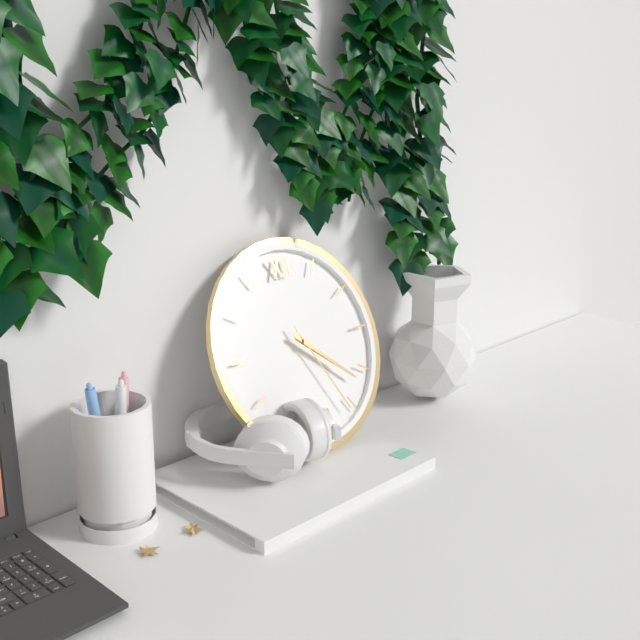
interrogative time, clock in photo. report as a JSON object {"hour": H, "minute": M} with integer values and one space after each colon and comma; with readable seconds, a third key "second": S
{"hour": 4, "minute": 22, "second": 26}
